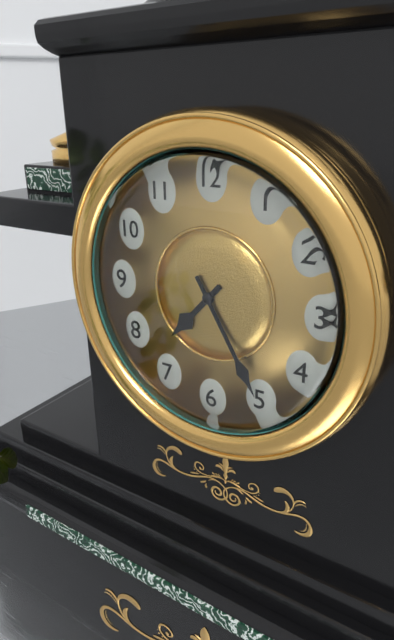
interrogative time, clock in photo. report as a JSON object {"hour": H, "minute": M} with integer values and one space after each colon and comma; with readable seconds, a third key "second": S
{"hour": 7, "minute": 25}
